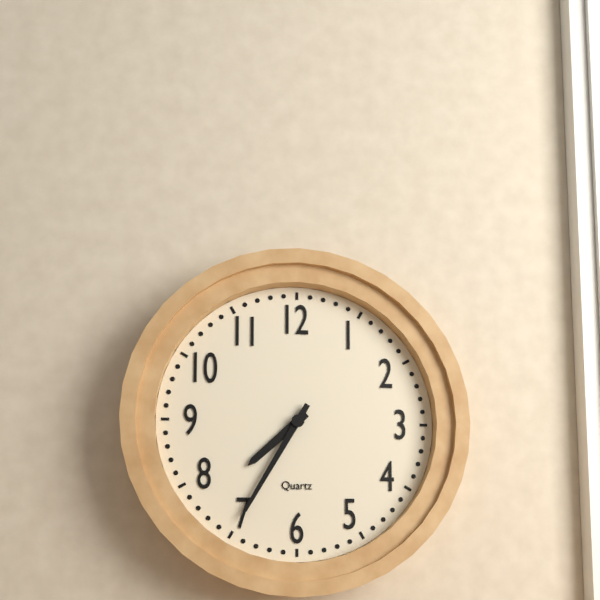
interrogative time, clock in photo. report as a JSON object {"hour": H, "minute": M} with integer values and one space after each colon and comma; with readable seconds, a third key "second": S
{"hour": 7, "minute": 35}
